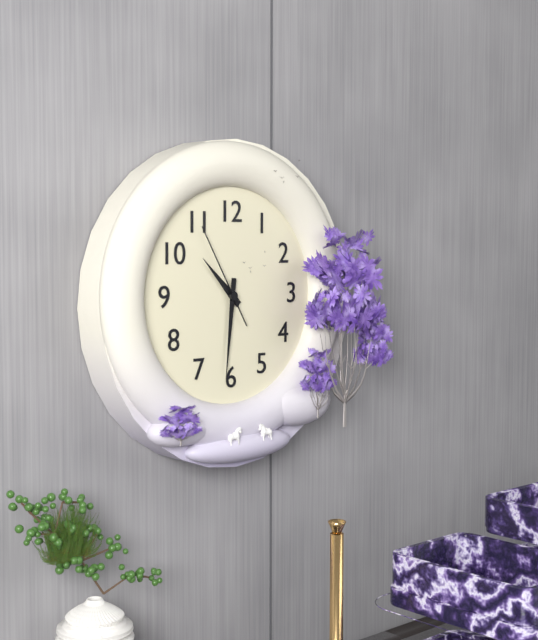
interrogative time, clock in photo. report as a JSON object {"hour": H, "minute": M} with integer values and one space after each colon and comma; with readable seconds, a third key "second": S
{"hour": 10, "minute": 31, "second": 55}
